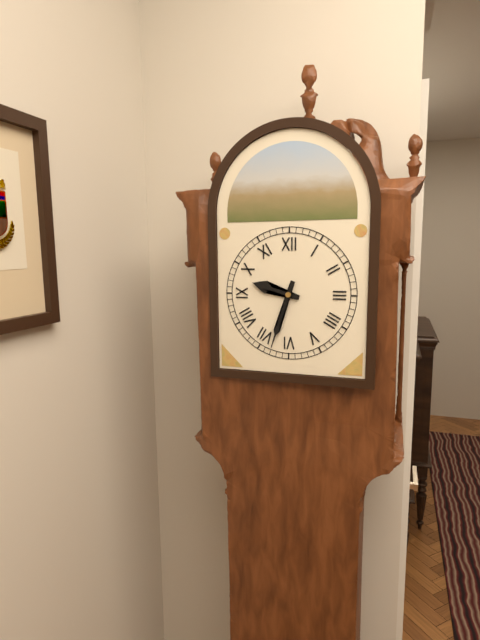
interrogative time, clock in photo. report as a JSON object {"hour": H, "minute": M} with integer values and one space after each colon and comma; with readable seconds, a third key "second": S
{"hour": 9, "minute": 33}
